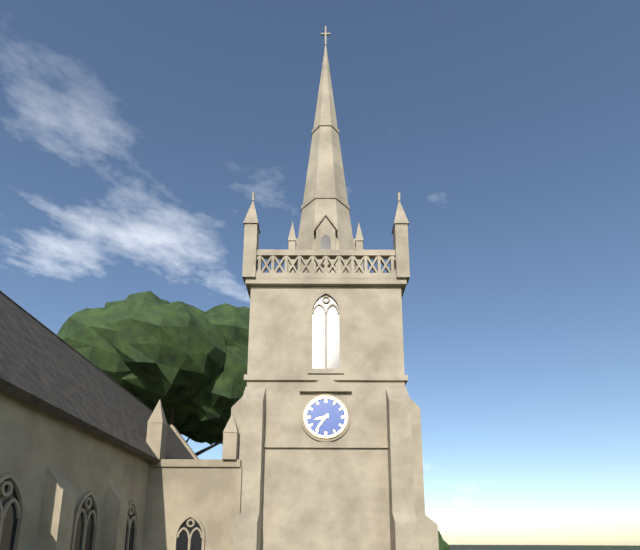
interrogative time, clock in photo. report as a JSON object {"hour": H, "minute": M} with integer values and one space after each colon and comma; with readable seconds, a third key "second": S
{"hour": 8, "minute": 36}
